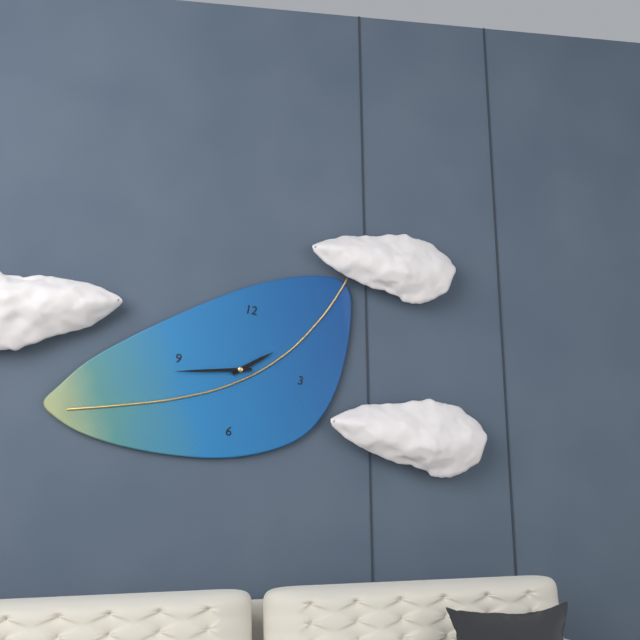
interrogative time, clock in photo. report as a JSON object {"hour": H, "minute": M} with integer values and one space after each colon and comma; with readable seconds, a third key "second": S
{"hour": 1, "minute": 43}
